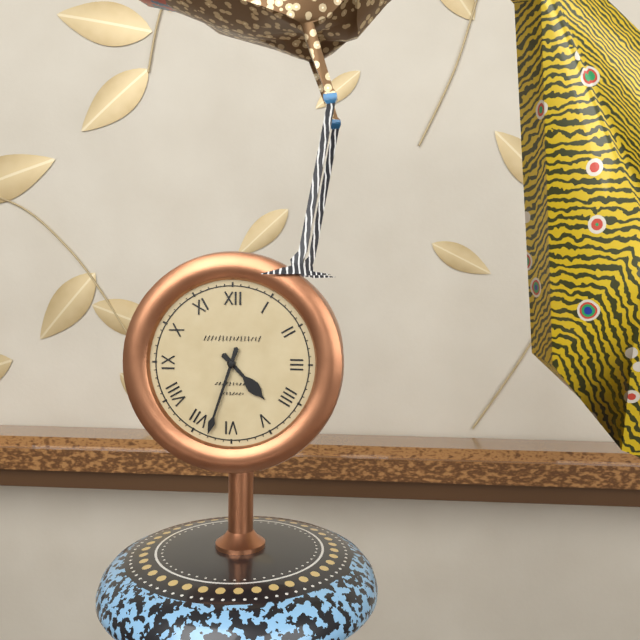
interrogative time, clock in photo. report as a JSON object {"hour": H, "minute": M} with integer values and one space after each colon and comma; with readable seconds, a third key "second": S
{"hour": 4, "minute": 33}
